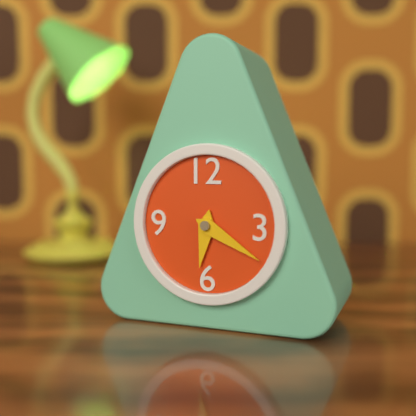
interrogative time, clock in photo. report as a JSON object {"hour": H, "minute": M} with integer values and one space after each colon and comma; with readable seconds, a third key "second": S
{"hour": 6, "minute": 20}
